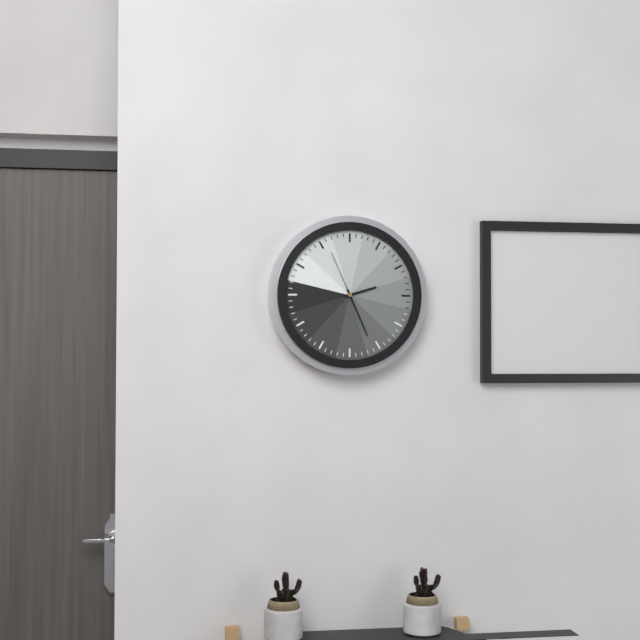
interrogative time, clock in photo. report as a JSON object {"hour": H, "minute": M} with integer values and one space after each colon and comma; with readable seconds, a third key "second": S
{"hour": 2, "minute": 26, "second": 56}
